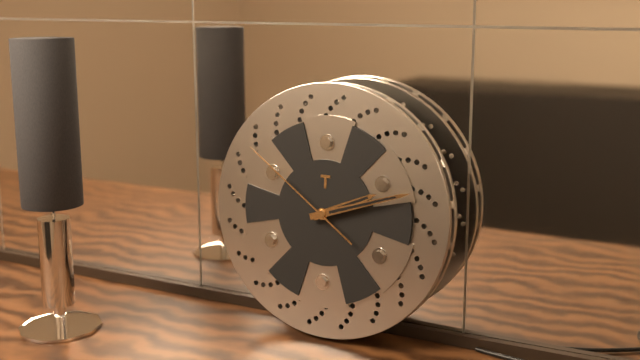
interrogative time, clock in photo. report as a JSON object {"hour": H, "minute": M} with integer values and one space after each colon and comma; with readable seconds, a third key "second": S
{"hour": 2, "minute": 12, "second": 51}
